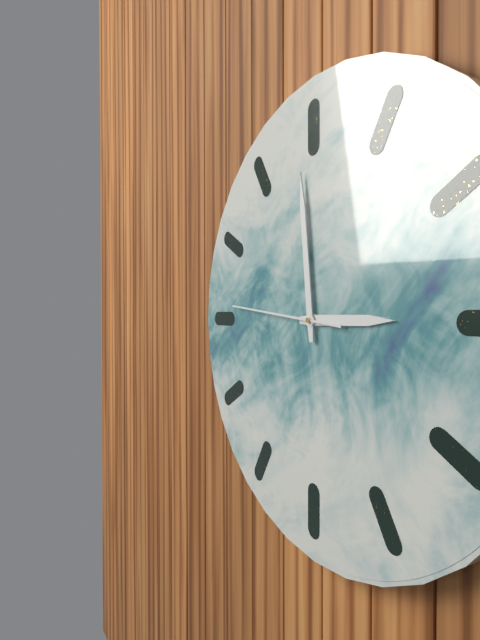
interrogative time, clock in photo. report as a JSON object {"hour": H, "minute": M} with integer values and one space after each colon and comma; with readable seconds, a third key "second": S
{"hour": 2, "minute": 59, "second": 46}
